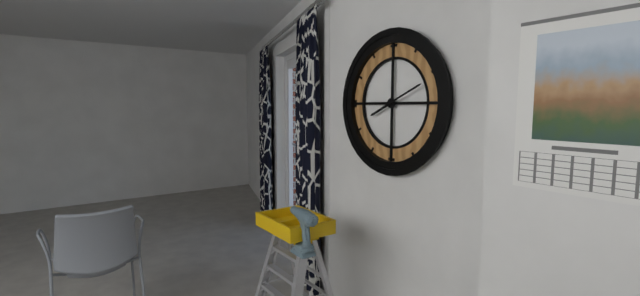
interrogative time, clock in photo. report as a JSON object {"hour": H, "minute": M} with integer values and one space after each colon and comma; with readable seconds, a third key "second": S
{"hour": 8, "minute": 11}
